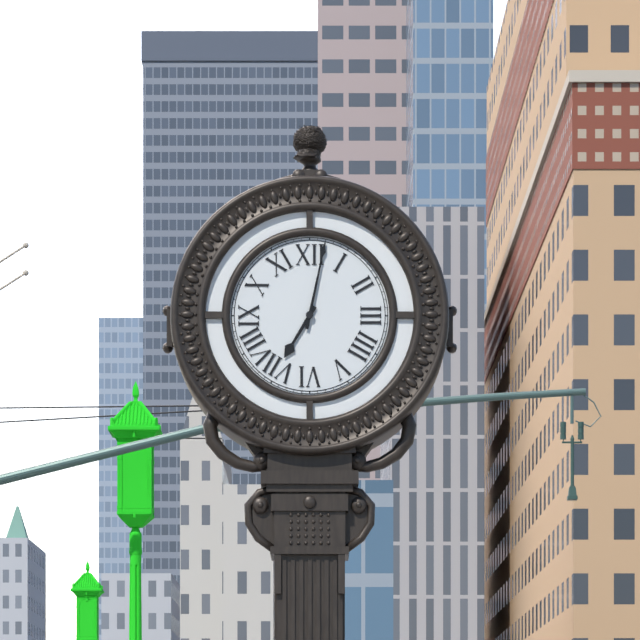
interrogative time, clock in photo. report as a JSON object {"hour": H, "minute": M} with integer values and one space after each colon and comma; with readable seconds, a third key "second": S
{"hour": 7, "minute": 2}
